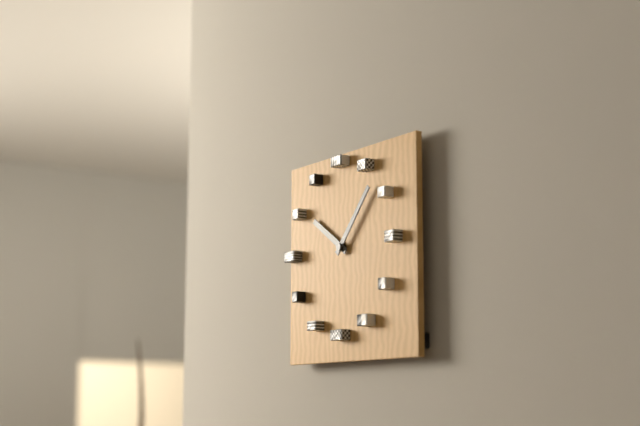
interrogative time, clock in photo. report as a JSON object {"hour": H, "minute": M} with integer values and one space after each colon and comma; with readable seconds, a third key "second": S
{"hour": 10, "minute": 7}
